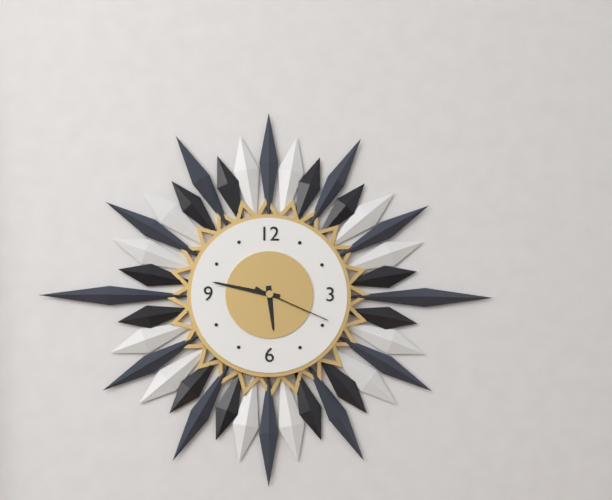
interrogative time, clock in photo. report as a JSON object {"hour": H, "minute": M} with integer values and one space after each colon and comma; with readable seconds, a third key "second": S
{"hour": 5, "minute": 47, "second": 19}
